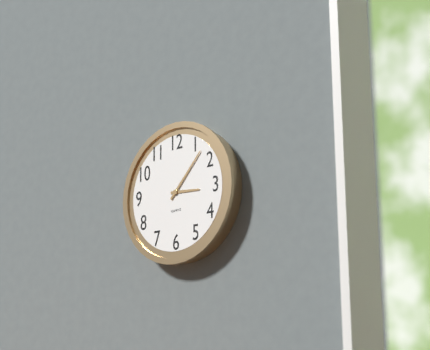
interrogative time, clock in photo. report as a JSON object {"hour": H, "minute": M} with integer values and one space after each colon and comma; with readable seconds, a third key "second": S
{"hour": 3, "minute": 7}
